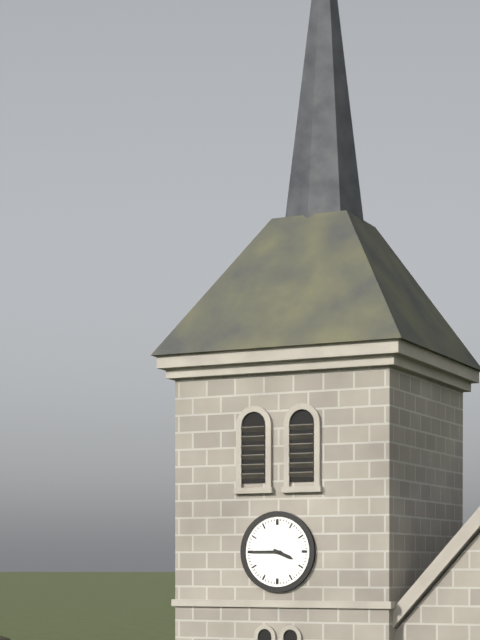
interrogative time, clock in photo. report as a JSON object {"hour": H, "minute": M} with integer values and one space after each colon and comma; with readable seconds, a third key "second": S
{"hour": 3, "minute": 45}
